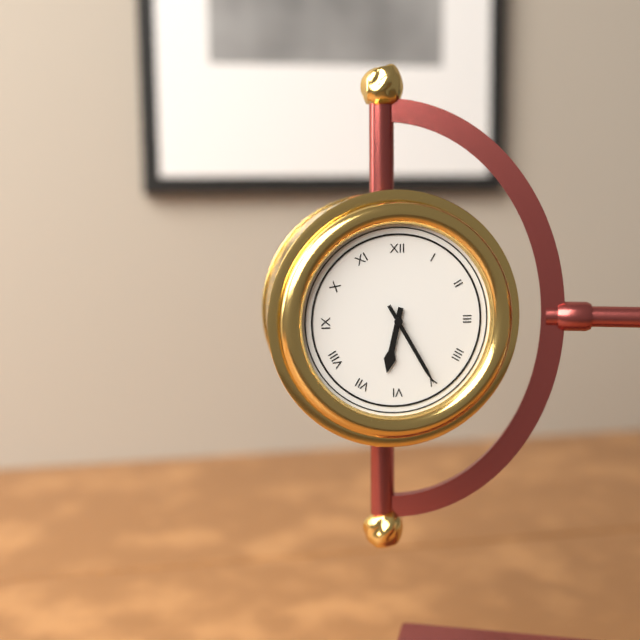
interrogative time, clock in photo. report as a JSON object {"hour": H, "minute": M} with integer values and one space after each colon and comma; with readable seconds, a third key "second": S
{"hour": 6, "minute": 25}
